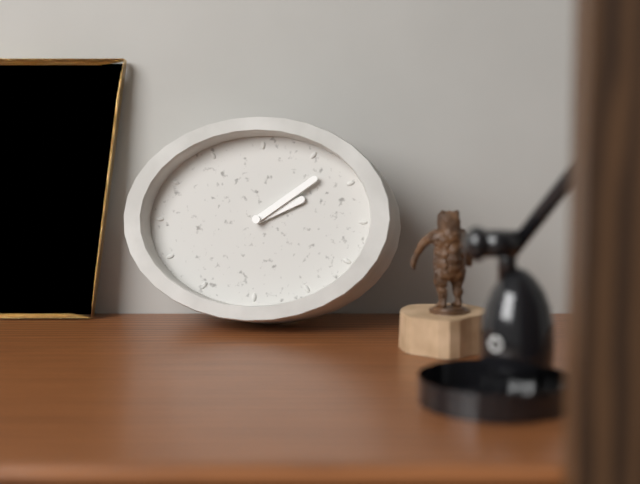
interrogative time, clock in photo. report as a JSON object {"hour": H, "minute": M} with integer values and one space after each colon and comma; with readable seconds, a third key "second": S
{"hour": 2, "minute": 9}
